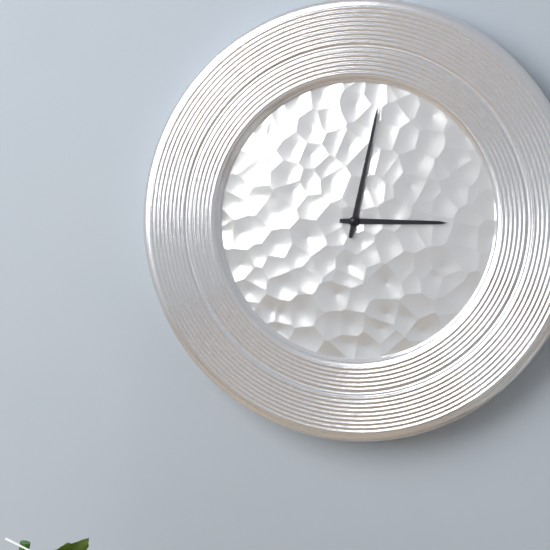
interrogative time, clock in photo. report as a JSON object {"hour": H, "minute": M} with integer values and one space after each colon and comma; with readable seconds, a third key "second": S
{"hour": 3, "minute": 2}
